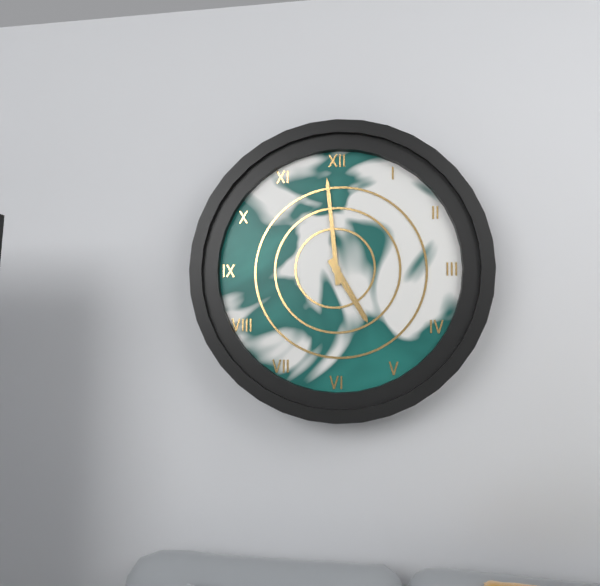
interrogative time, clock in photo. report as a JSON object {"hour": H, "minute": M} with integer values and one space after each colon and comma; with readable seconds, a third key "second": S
{"hour": 4, "minute": 59}
